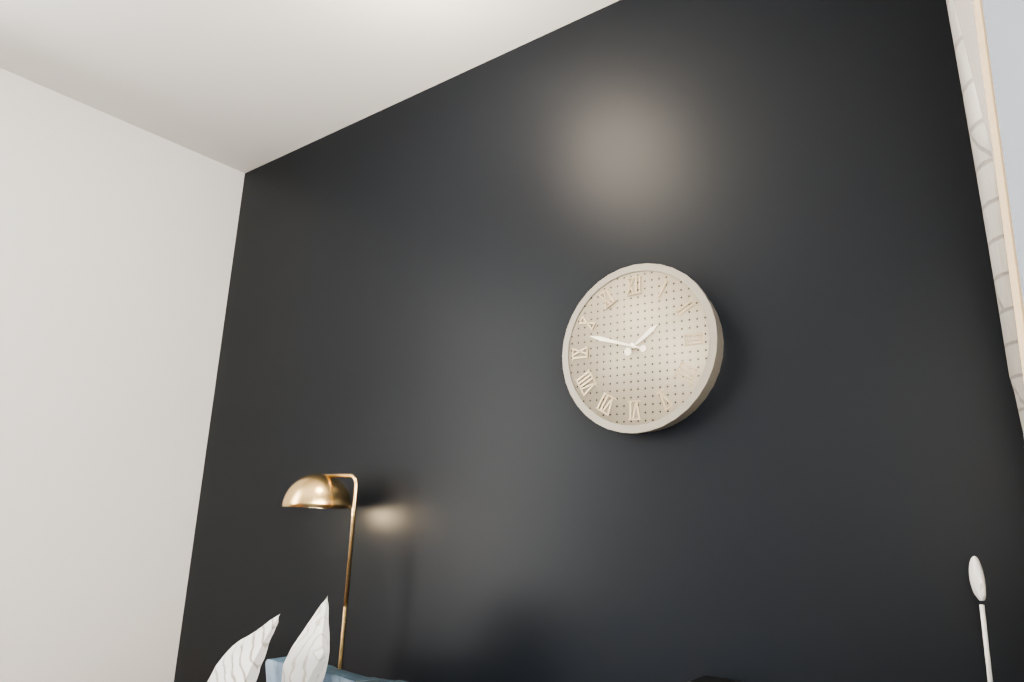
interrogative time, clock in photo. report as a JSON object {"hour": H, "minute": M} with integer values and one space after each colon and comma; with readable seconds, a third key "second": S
{"hour": 1, "minute": 48}
